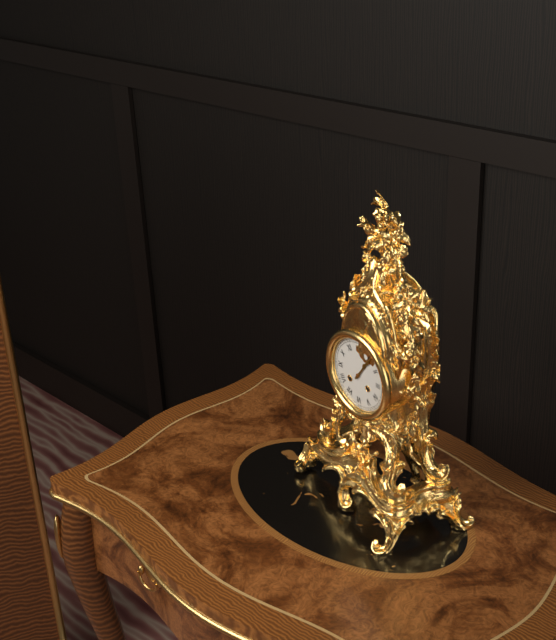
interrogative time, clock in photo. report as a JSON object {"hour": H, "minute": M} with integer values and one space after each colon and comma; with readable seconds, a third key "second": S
{"hour": 1, "minute": 6}
